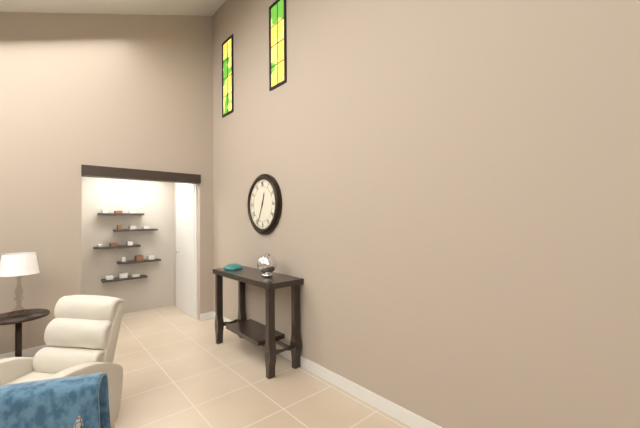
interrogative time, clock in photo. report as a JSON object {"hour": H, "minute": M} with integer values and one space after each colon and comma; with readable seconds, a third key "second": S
{"hour": 12, "minute": 34}
